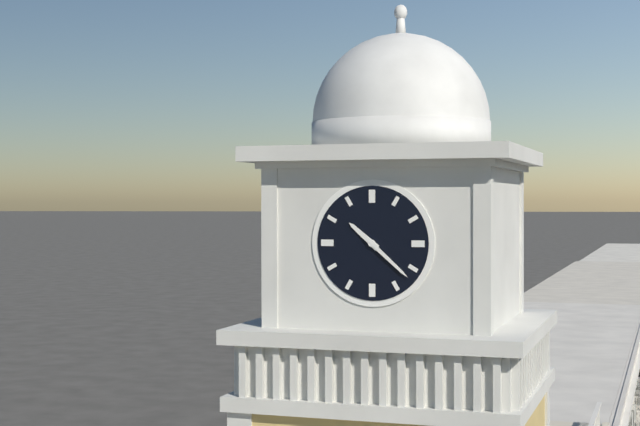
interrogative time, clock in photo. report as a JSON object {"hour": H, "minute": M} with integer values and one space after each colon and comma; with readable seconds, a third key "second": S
{"hour": 10, "minute": 22}
